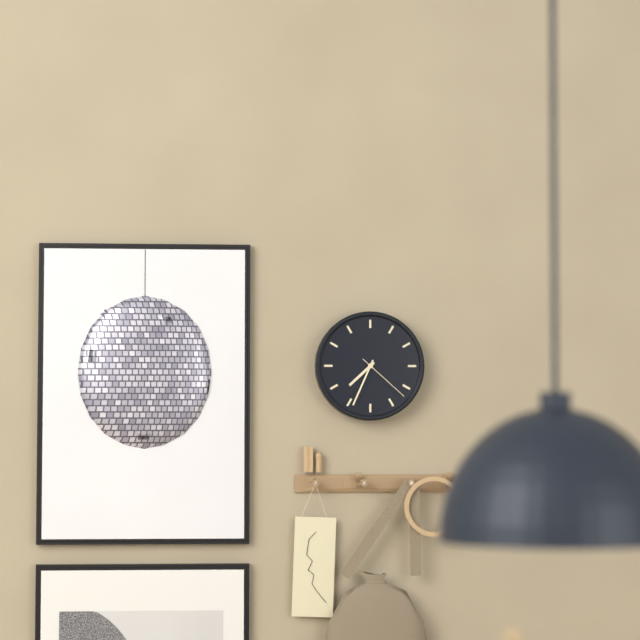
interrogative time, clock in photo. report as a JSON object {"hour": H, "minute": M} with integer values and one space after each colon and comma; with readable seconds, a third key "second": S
{"hour": 7, "minute": 34, "second": 22}
